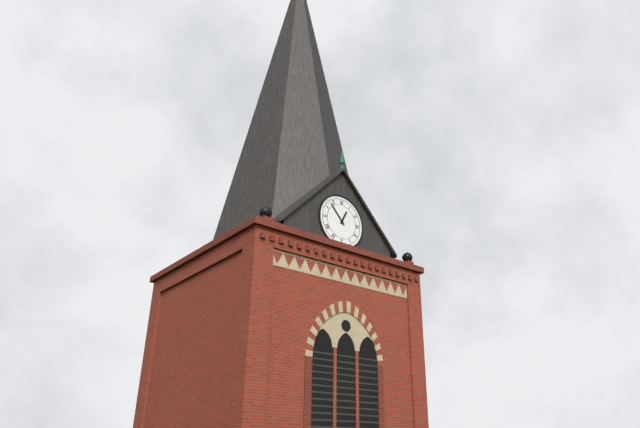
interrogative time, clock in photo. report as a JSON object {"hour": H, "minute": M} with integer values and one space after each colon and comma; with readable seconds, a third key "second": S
{"hour": 12, "minute": 53}
